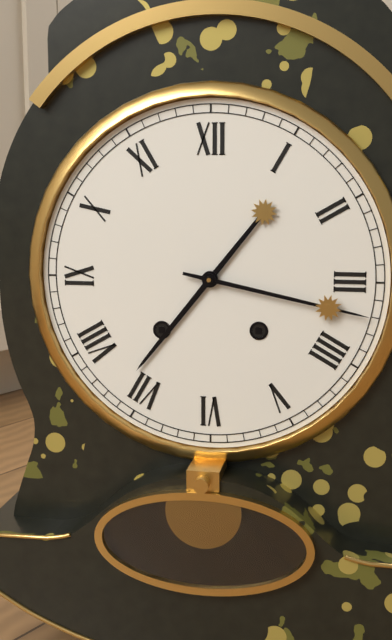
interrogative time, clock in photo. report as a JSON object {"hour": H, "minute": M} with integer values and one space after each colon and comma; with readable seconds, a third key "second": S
{"hour": 7, "minute": 17}
